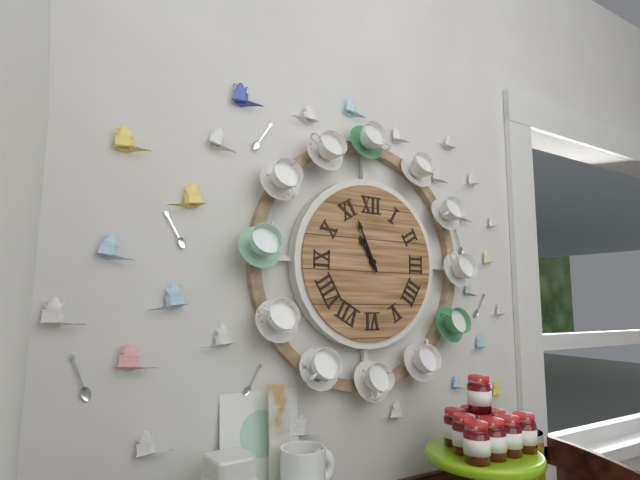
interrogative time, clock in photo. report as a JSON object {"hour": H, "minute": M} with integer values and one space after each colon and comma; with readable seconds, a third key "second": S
{"hour": 10, "minute": 56}
